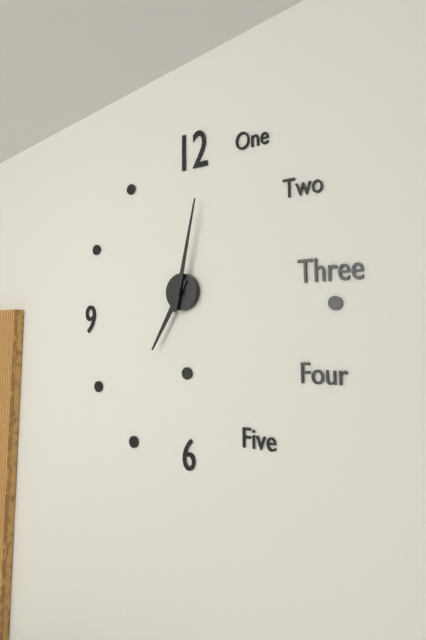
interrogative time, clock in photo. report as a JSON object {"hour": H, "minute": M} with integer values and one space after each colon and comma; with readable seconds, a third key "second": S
{"hour": 7, "minute": 2}
